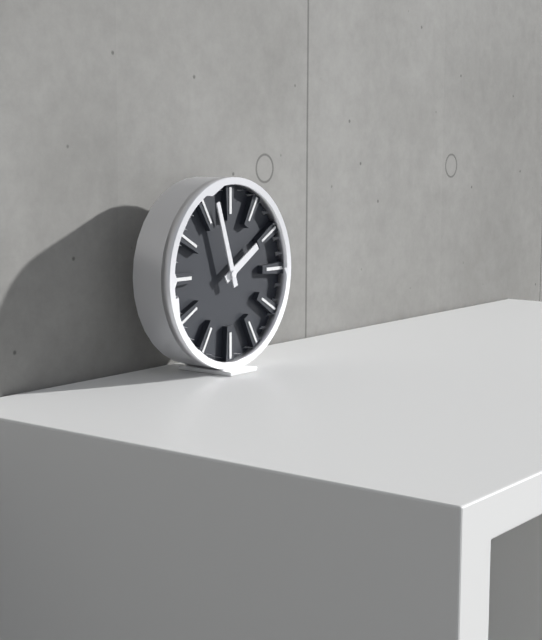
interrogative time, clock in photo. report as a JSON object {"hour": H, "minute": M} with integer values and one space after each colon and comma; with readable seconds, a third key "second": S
{"hour": 1, "minute": 57}
